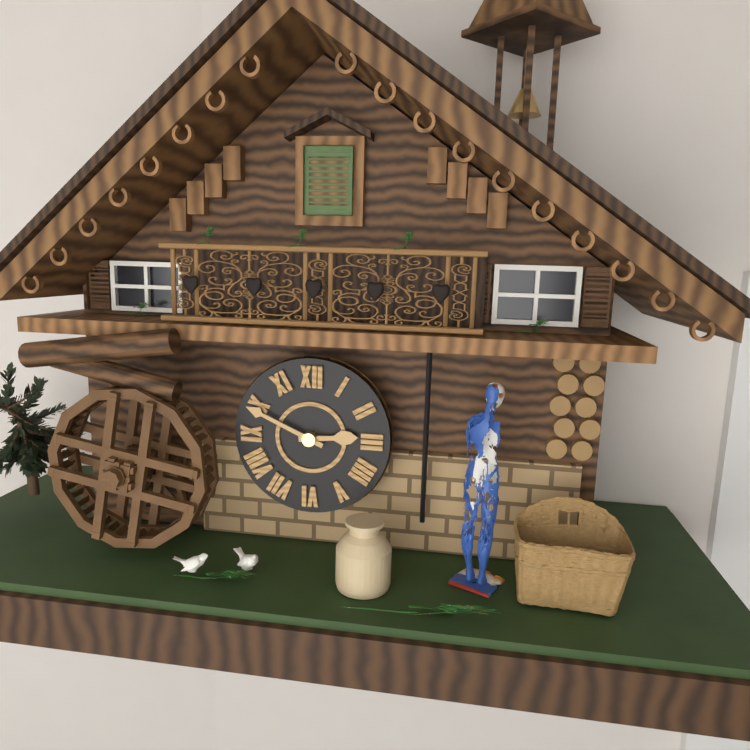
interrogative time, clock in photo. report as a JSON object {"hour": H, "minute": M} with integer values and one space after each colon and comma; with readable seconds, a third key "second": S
{"hour": 2, "minute": 49}
